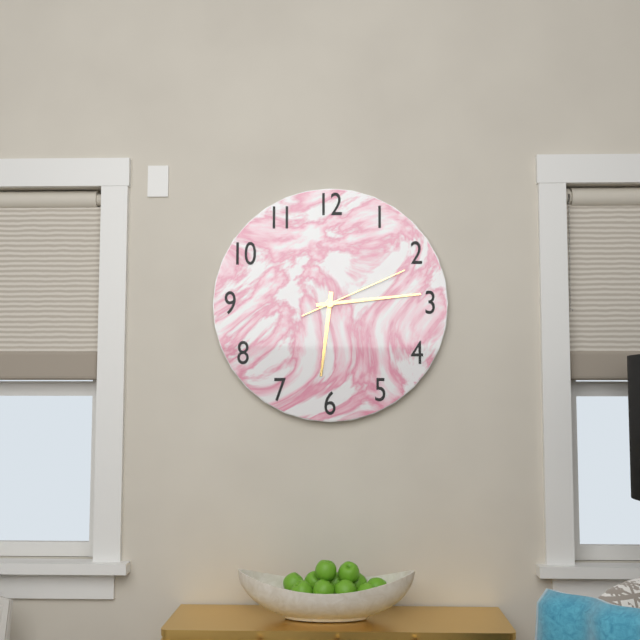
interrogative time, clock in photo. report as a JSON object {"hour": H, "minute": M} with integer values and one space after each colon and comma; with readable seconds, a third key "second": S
{"hour": 6, "minute": 14, "second": 11}
